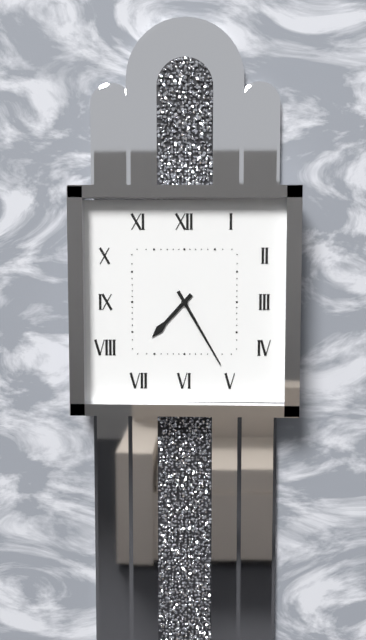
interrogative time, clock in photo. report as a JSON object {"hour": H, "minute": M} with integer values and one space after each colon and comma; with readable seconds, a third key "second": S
{"hour": 7, "minute": 25}
